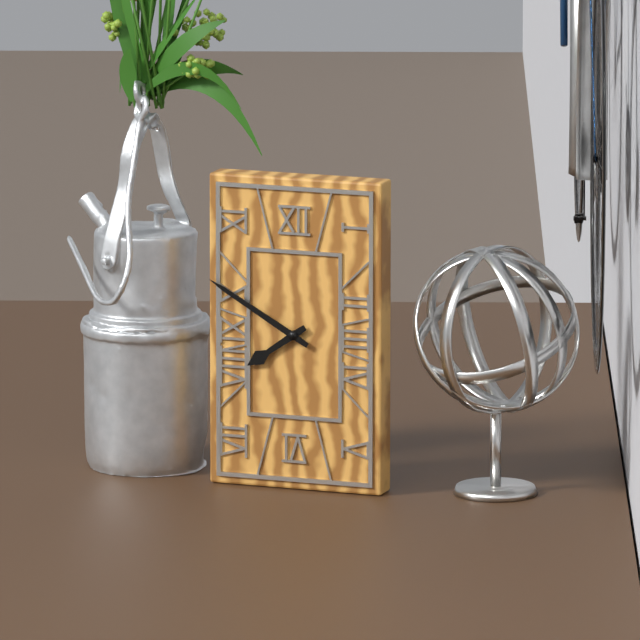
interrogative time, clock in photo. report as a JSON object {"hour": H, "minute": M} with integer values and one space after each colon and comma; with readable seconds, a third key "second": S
{"hour": 7, "minute": 50}
